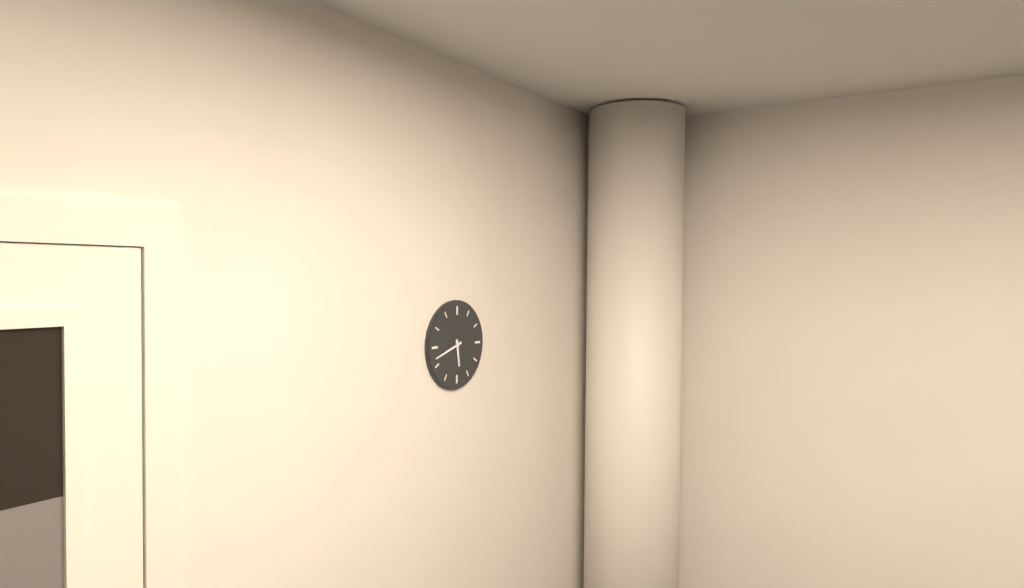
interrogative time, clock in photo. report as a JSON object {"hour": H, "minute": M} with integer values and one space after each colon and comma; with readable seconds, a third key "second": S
{"hour": 5, "minute": 42}
